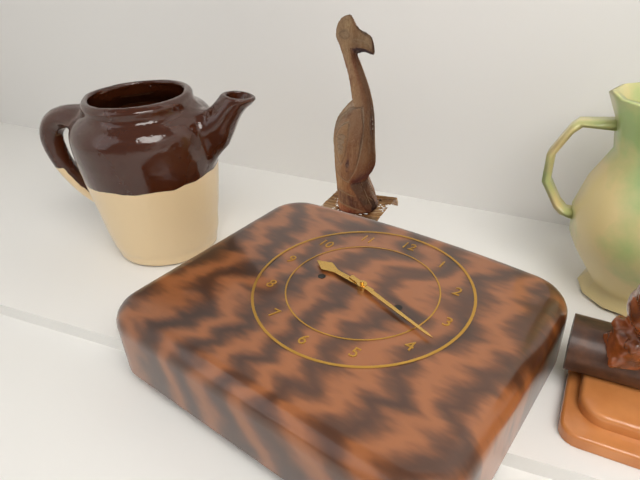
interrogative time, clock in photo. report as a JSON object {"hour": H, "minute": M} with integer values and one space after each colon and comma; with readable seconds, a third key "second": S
{"hour": 9, "minute": 18}
